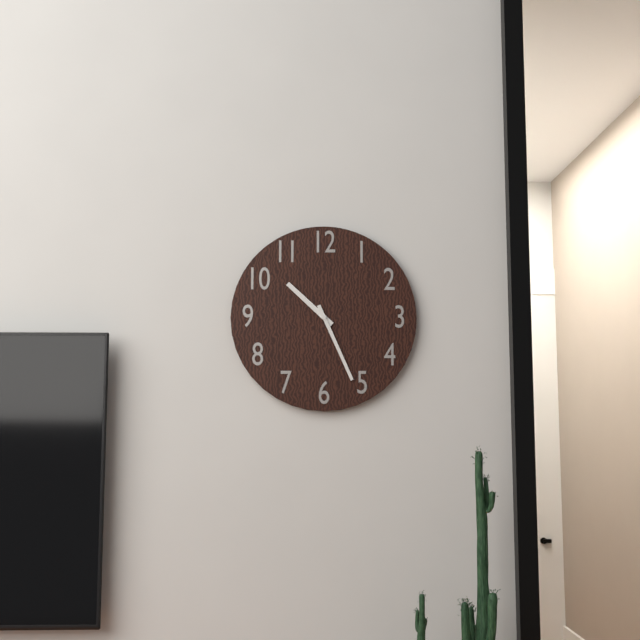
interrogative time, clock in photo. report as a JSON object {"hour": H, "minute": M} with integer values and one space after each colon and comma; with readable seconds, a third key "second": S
{"hour": 10, "minute": 26}
